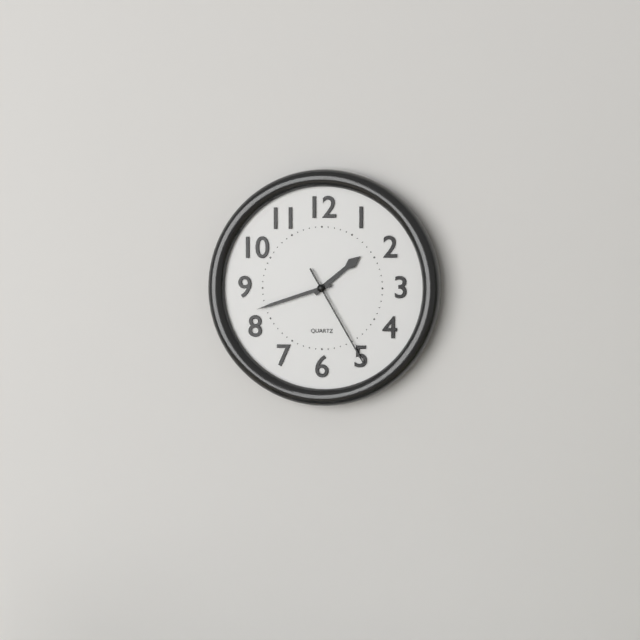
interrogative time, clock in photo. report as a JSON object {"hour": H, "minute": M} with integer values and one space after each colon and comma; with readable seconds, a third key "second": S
{"hour": 1, "minute": 42, "second": 25}
